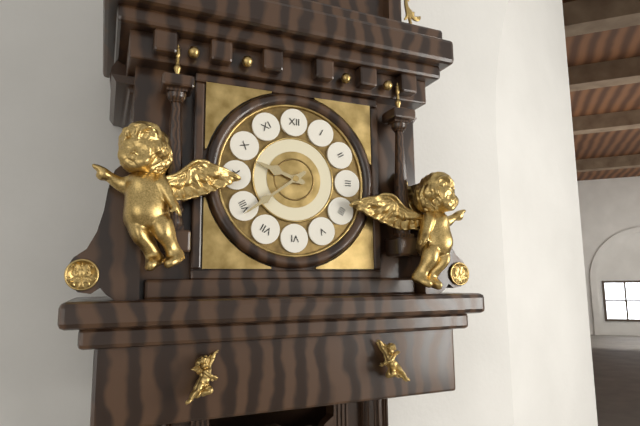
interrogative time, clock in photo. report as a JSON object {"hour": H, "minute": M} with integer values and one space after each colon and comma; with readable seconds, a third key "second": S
{"hour": 9, "minute": 39}
